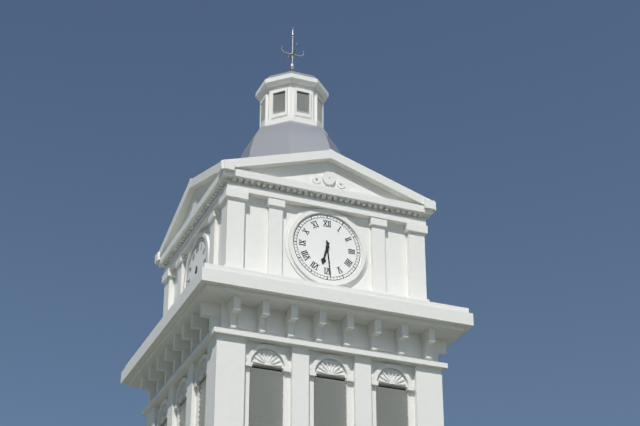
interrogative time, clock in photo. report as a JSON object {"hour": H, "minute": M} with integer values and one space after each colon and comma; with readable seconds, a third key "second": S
{"hour": 6, "minute": 29}
